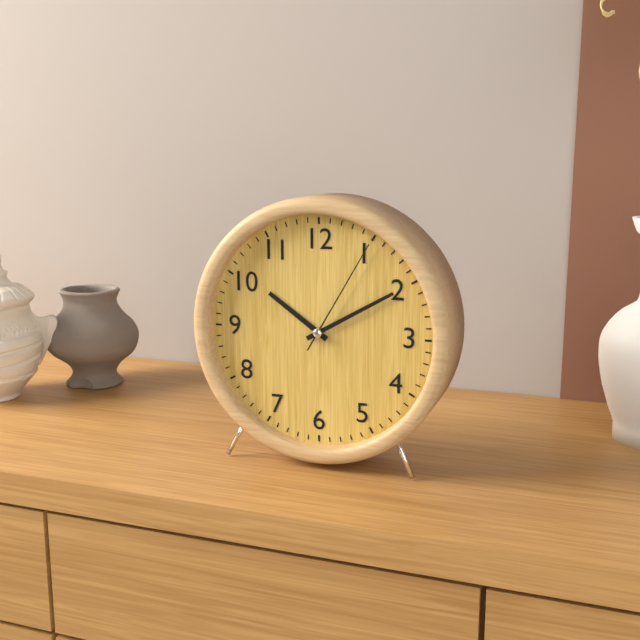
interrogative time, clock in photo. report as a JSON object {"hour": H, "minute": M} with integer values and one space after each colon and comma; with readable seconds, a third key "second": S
{"hour": 10, "minute": 10, "second": 5}
